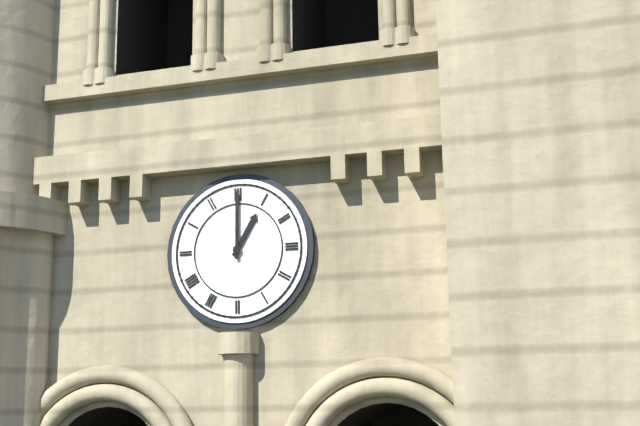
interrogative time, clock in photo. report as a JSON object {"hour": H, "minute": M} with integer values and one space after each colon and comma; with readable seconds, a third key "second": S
{"hour": 1, "minute": 0}
